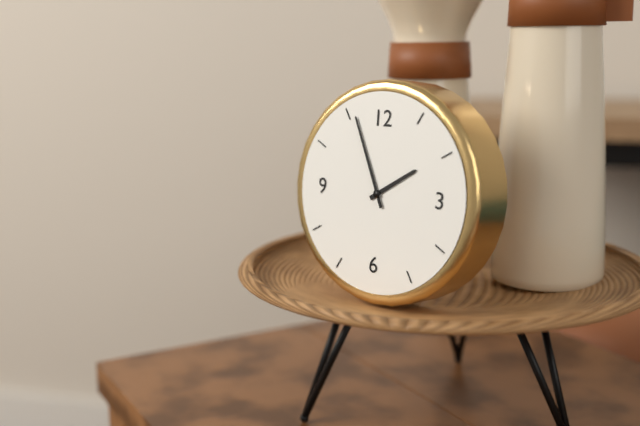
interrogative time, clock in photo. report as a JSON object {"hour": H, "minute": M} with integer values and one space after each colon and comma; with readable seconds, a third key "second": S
{"hour": 1, "minute": 56}
